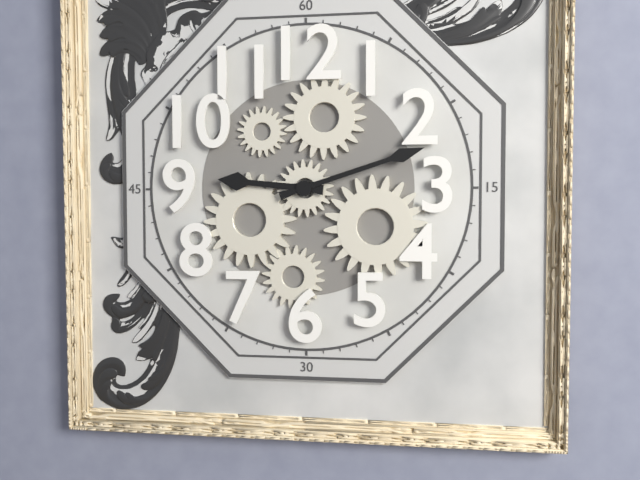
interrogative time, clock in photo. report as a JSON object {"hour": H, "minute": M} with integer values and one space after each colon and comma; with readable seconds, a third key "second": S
{"hour": 9, "minute": 12}
